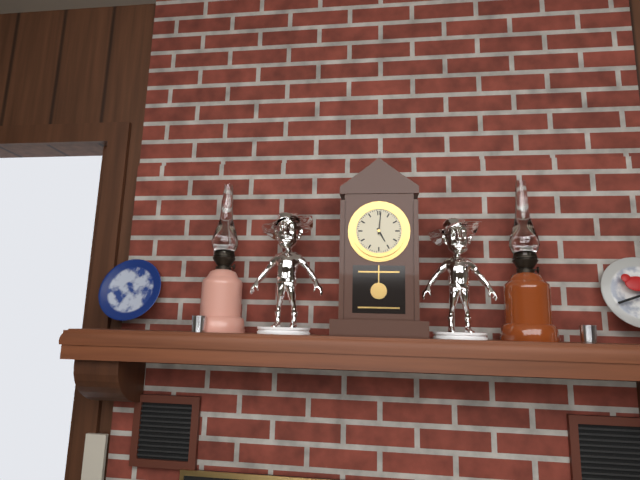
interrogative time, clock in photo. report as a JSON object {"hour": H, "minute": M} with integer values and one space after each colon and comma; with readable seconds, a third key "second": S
{"hour": 5, "minute": 1}
